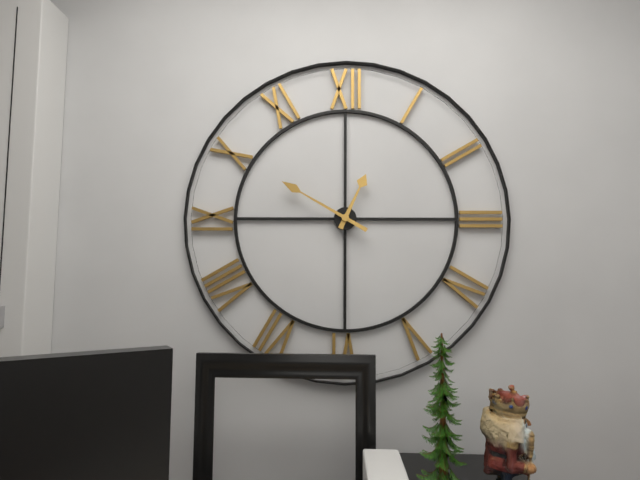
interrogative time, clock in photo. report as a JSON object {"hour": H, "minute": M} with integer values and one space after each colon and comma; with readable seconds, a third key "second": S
{"hour": 12, "minute": 50}
